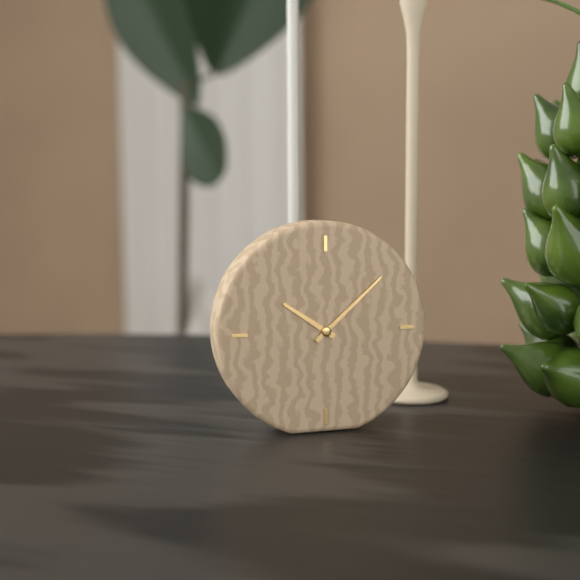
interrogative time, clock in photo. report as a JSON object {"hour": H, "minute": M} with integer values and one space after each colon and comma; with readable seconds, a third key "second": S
{"hour": 10, "minute": 8}
